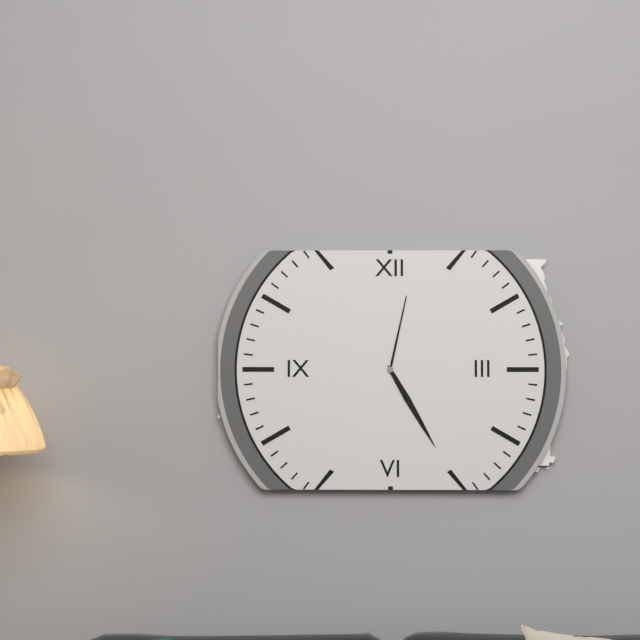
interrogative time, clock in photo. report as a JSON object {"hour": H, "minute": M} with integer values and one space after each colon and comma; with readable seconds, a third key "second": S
{"hour": 12, "minute": 25}
